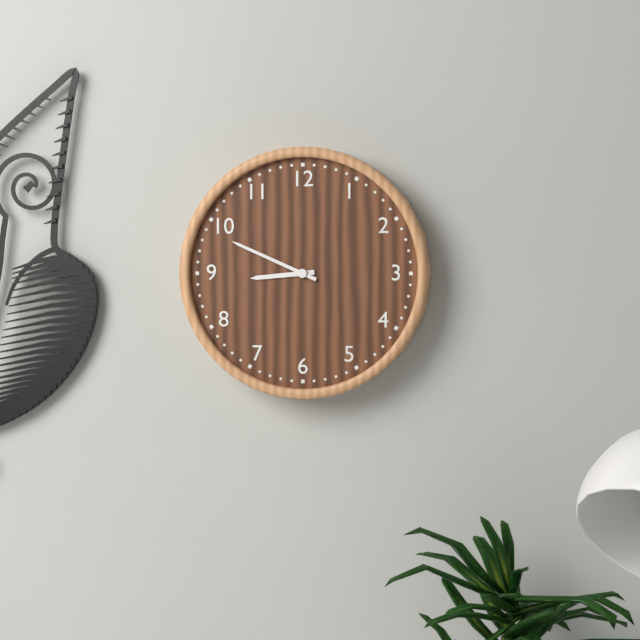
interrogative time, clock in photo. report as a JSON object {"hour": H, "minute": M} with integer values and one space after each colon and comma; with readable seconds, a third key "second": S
{"hour": 8, "minute": 49}
